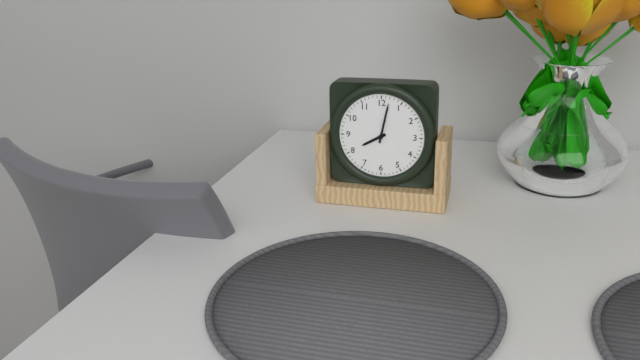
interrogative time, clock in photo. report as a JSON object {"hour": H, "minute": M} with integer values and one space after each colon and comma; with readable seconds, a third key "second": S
{"hour": 8, "minute": 2}
